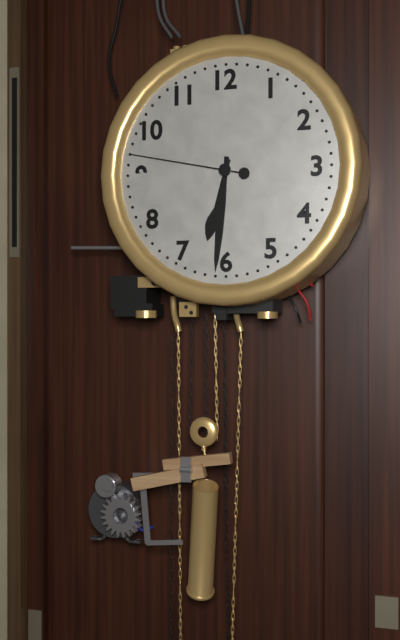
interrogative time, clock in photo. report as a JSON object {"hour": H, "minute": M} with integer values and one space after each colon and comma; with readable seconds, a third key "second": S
{"hour": 6, "minute": 31, "second": 47}
